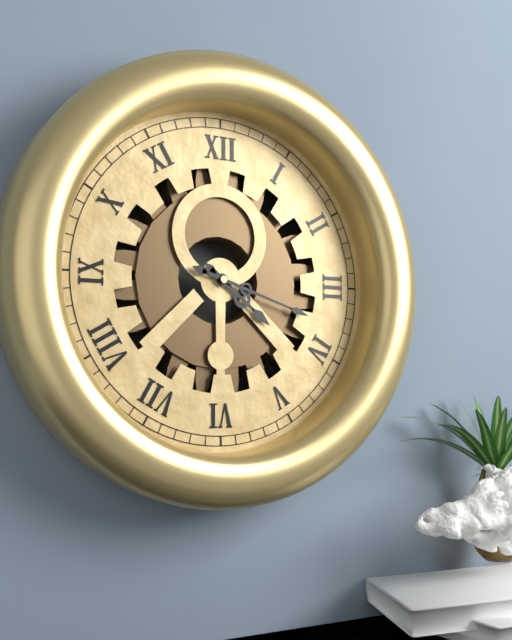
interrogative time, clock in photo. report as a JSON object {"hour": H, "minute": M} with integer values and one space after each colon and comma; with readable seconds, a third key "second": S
{"hour": 4, "minute": 18}
